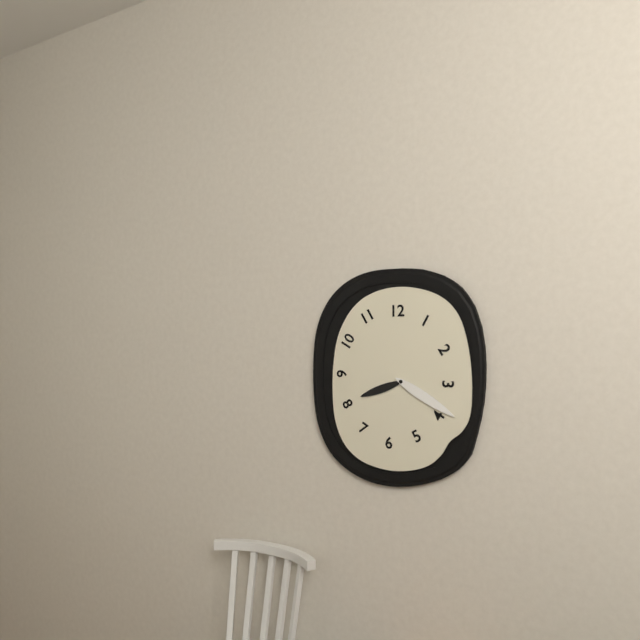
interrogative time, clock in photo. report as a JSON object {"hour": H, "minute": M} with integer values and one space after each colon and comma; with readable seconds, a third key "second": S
{"hour": 8, "minute": 20}
